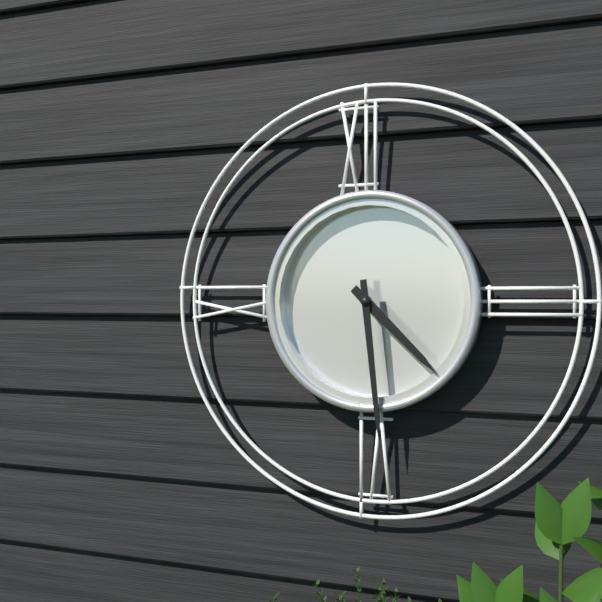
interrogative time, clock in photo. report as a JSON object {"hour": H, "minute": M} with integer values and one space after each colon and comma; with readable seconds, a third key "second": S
{"hour": 4, "minute": 29}
